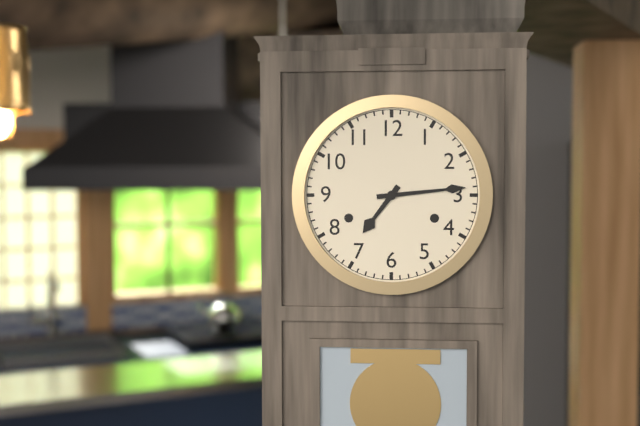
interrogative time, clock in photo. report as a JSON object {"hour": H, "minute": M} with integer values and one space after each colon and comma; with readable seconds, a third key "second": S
{"hour": 7, "minute": 14}
